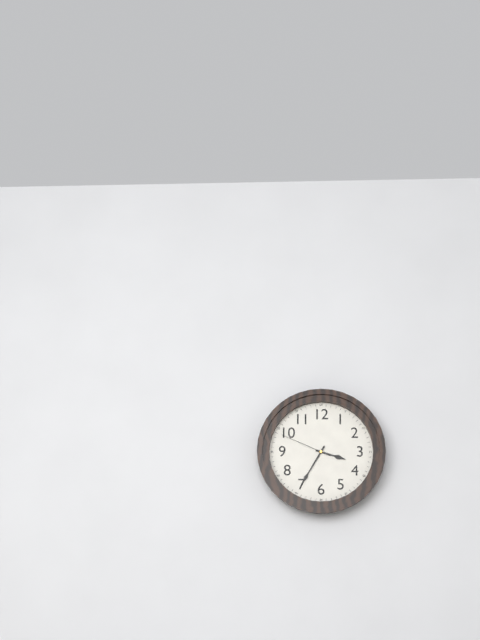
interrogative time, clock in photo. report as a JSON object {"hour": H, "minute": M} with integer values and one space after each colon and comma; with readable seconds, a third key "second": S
{"hour": 3, "minute": 35, "second": 49}
